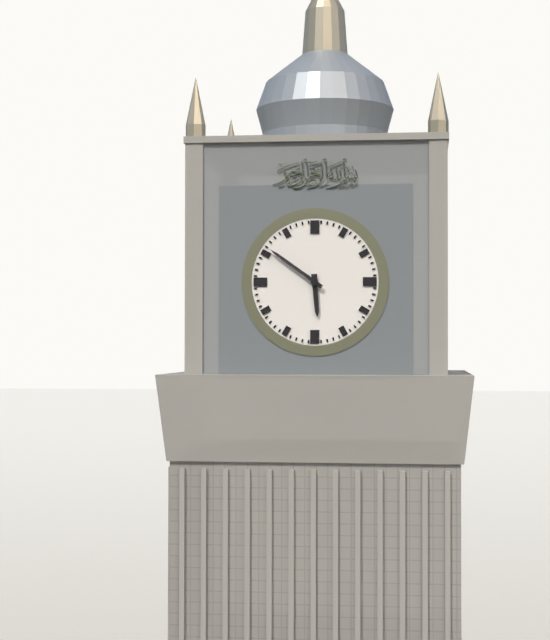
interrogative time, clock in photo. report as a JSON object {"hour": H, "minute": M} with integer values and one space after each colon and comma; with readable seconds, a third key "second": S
{"hour": 5, "minute": 51}
